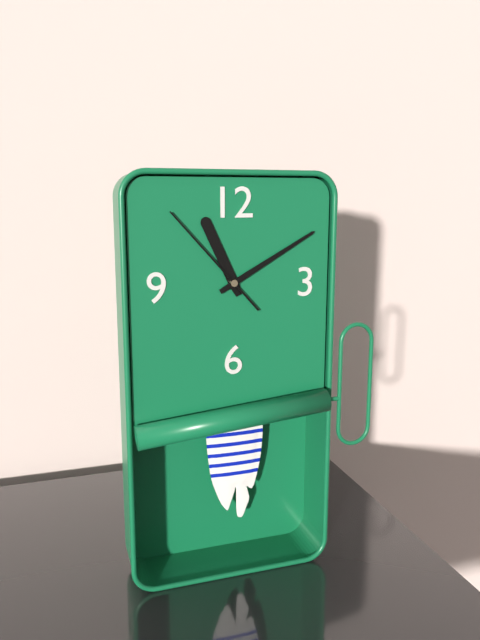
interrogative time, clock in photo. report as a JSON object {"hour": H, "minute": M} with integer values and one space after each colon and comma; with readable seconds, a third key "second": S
{"hour": 11, "minute": 10, "second": 53}
